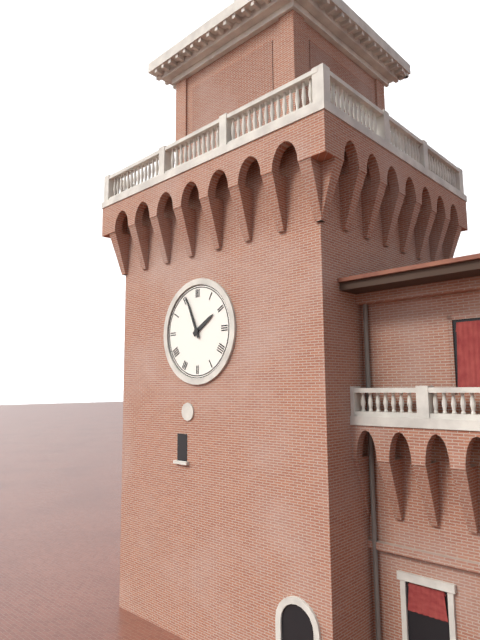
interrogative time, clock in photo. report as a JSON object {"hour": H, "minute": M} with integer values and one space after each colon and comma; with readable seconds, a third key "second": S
{"hour": 1, "minute": 56}
